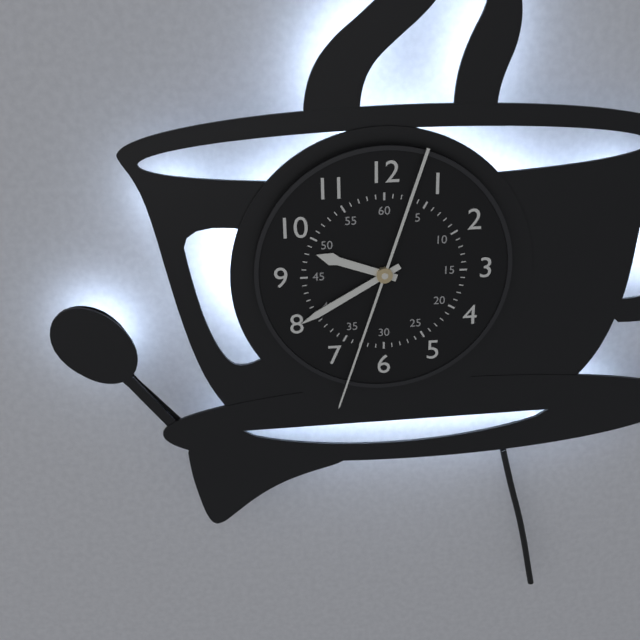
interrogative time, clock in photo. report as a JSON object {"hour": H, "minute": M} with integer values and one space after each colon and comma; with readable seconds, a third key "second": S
{"hour": 9, "minute": 40, "second": 33}
